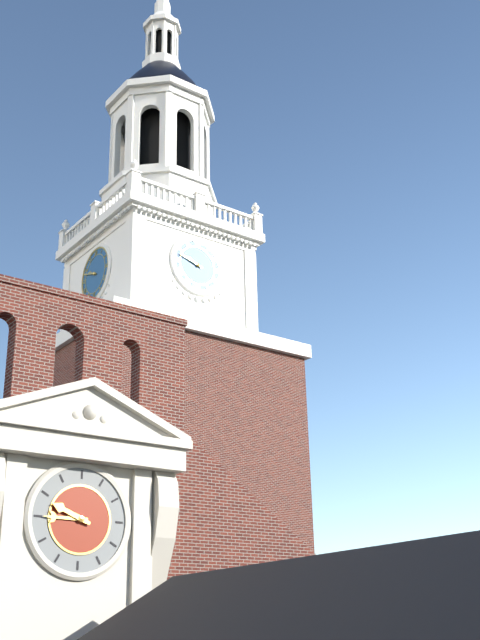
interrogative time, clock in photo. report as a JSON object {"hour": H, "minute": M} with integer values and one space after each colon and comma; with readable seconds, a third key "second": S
{"hour": 9, "minute": 48}
